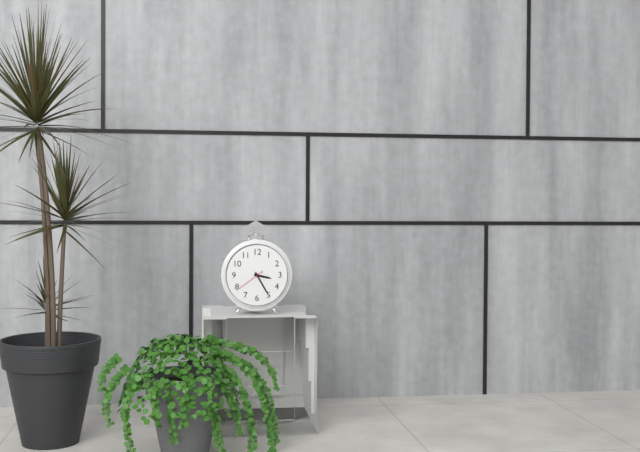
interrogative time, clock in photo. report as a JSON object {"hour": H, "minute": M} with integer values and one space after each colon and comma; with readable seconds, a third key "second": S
{"hour": 3, "minute": 25}
